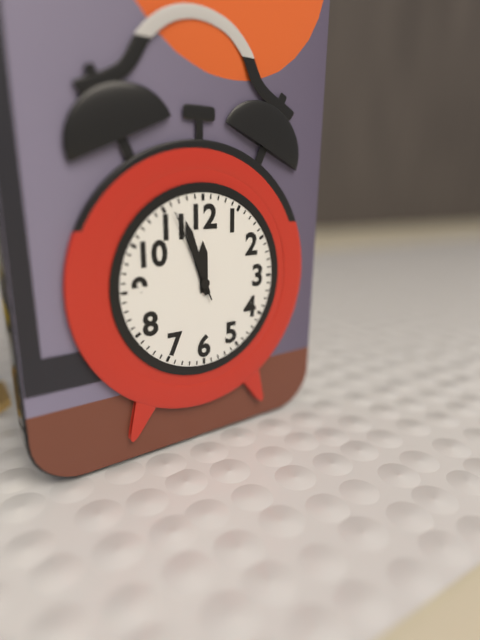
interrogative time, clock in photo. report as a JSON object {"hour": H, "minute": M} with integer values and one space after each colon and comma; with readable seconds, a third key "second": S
{"hour": 11, "minute": 57, "second": 56}
